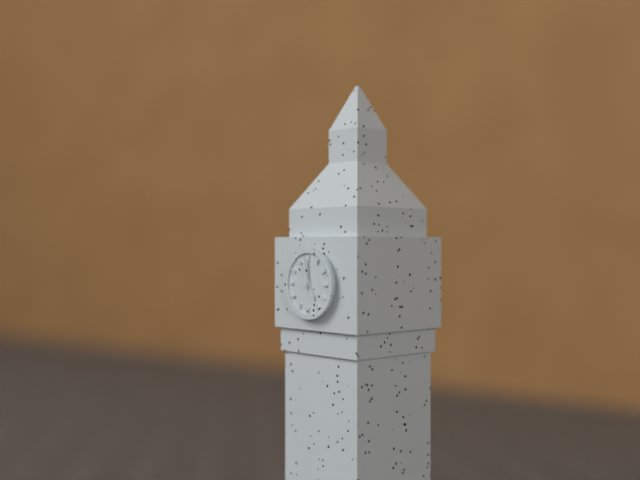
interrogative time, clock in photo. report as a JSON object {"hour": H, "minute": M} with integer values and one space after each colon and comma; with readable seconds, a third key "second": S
{"hour": 4, "minute": 59}
